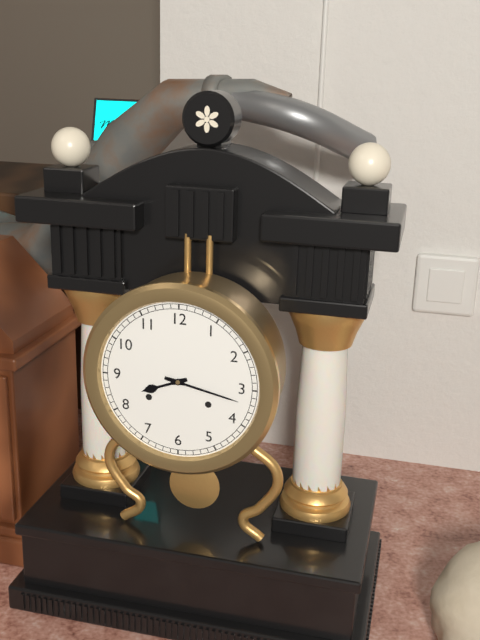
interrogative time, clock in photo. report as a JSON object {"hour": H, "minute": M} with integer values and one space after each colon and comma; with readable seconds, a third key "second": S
{"hour": 8, "minute": 17}
